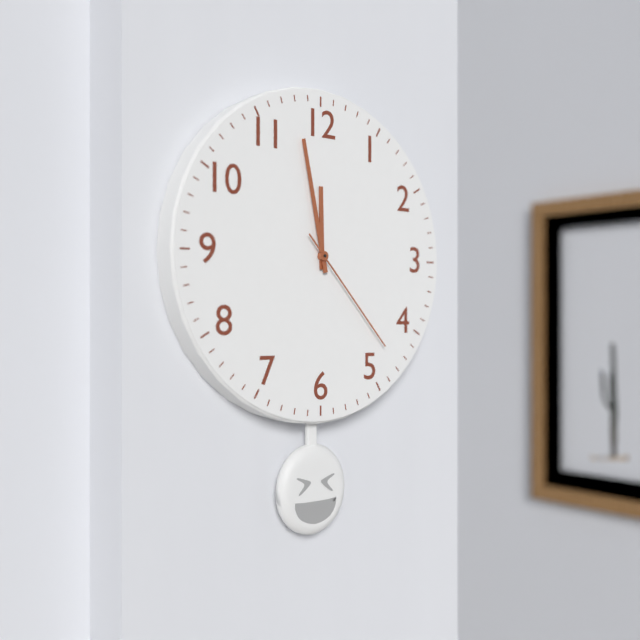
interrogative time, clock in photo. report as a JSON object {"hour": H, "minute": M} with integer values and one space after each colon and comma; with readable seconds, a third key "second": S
{"hour": 11, "minute": 58, "second": 23}
